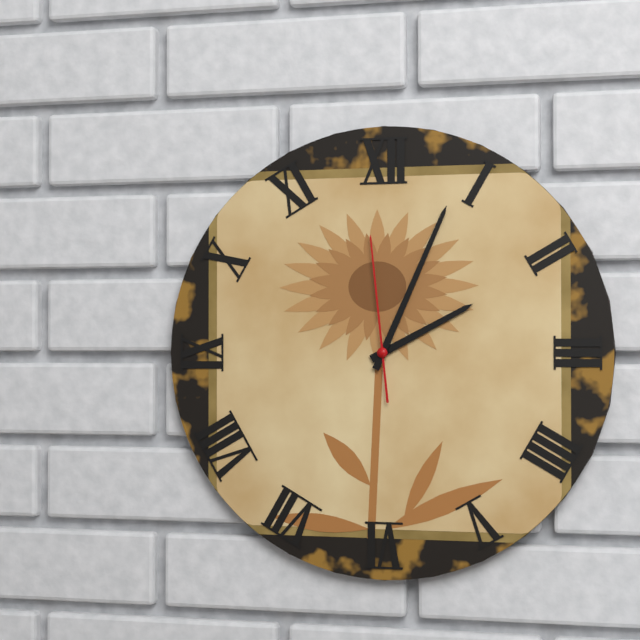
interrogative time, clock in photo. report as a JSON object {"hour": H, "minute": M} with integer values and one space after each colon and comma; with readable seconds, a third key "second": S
{"hour": 2, "minute": 4, "second": 59}
